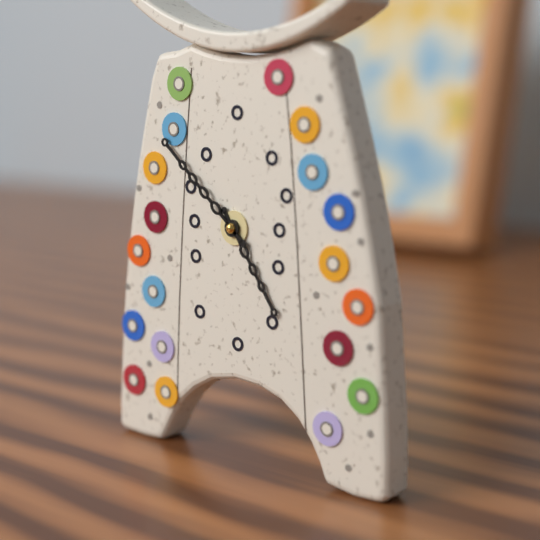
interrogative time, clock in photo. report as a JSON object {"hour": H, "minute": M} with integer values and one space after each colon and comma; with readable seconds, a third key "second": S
{"hour": 4, "minute": 52}
